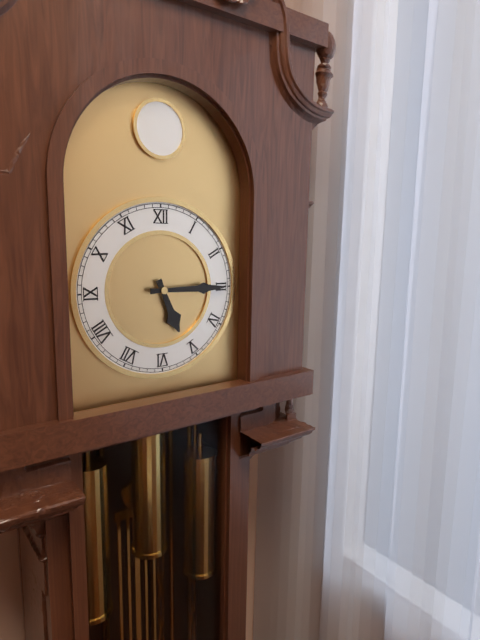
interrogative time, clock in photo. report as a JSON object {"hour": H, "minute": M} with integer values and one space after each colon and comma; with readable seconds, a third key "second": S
{"hour": 5, "minute": 15}
